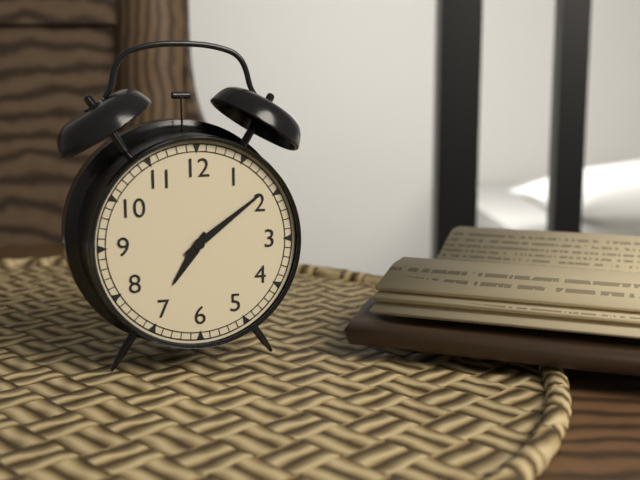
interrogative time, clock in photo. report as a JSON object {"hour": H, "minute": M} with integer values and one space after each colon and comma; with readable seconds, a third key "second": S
{"hour": 7, "minute": 9}
